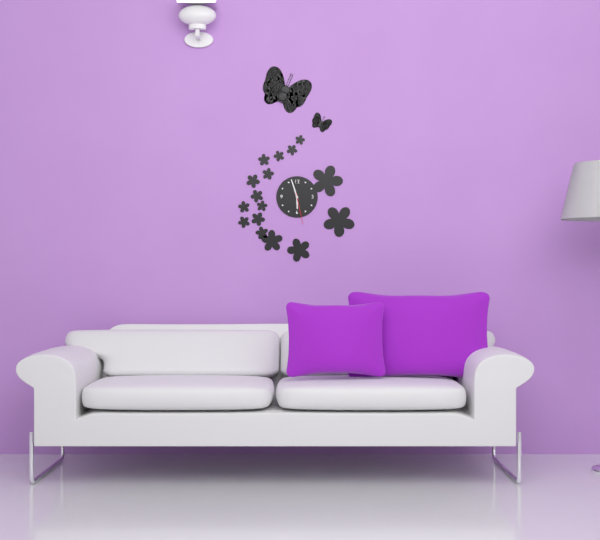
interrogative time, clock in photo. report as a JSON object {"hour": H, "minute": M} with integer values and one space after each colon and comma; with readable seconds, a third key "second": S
{"hour": 5, "minute": 57}
